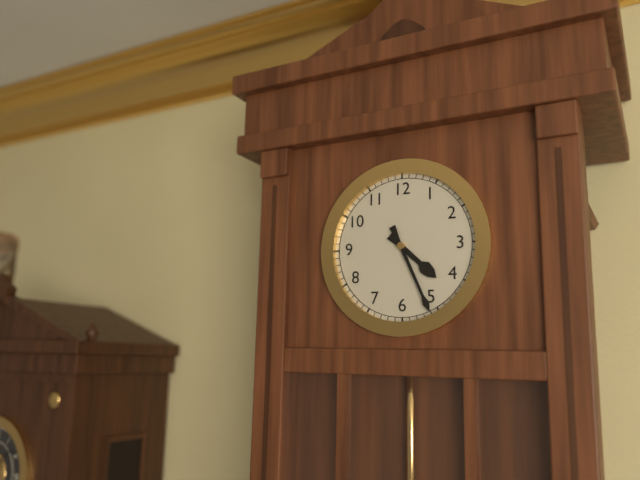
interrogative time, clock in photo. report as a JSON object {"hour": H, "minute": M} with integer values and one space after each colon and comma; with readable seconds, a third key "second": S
{"hour": 4, "minute": 26}
